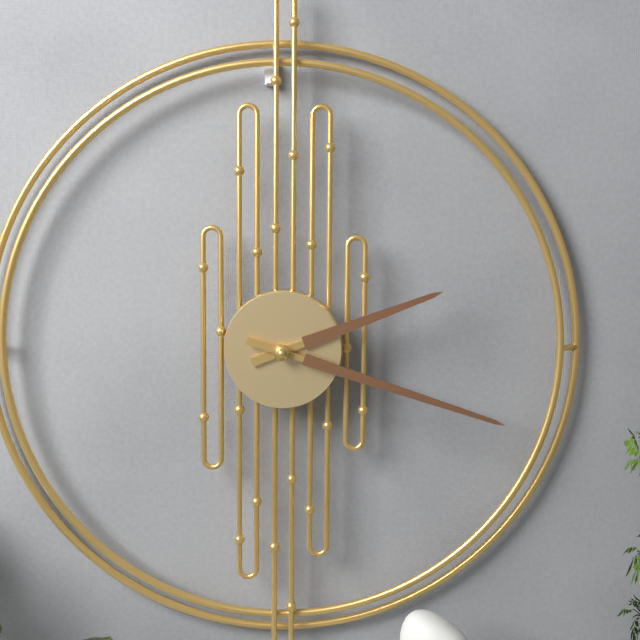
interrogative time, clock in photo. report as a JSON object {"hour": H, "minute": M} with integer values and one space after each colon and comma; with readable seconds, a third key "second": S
{"hour": 2, "minute": 18}
